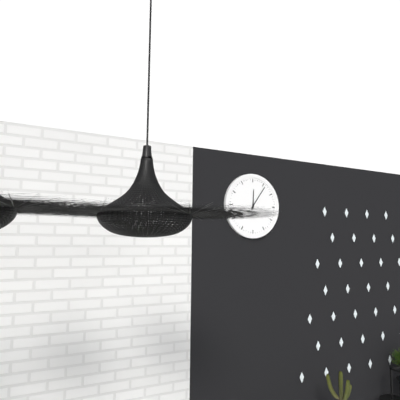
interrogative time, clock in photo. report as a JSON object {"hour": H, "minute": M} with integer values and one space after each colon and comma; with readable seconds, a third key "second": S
{"hour": 12, "minute": 6}
